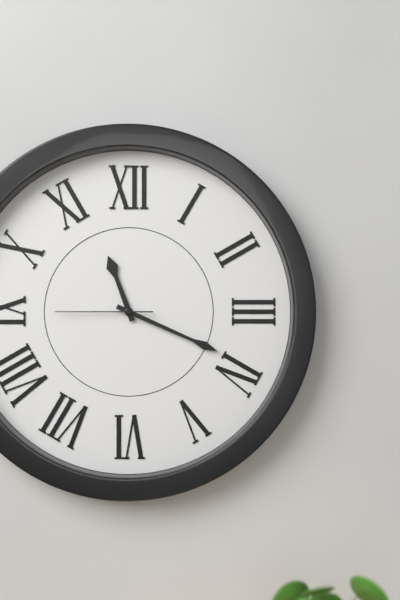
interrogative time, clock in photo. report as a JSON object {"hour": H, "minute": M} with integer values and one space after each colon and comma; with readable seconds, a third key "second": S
{"hour": 11, "minute": 19, "second": 45}
